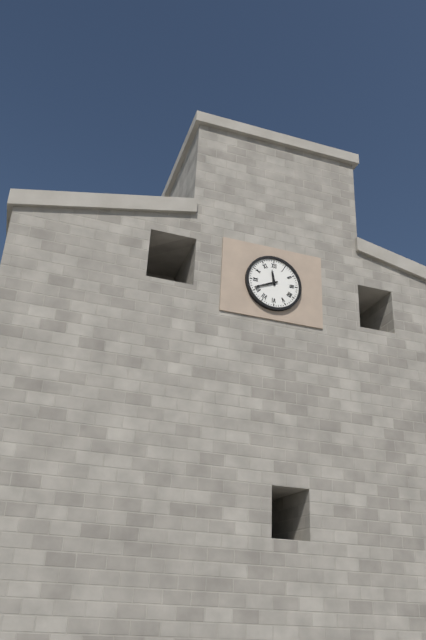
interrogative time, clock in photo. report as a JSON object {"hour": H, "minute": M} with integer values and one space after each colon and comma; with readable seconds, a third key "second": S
{"hour": 11, "minute": 41}
